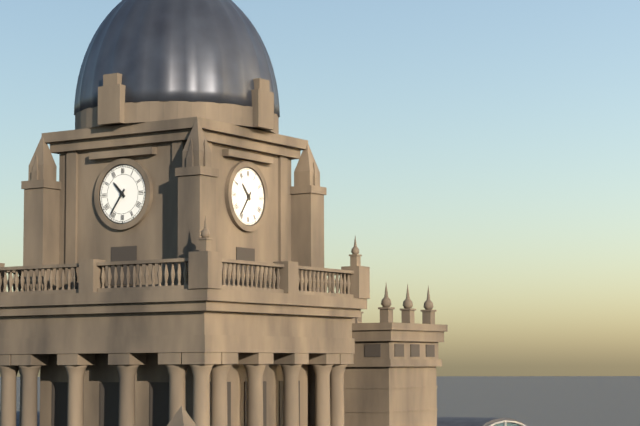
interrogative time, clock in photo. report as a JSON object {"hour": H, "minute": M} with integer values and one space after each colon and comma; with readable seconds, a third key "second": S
{"hour": 10, "minute": 36}
